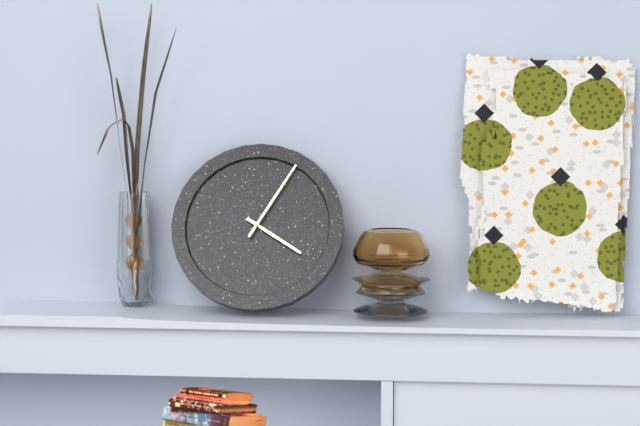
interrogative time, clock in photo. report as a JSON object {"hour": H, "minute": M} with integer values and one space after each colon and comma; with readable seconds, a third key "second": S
{"hour": 4, "minute": 5}
